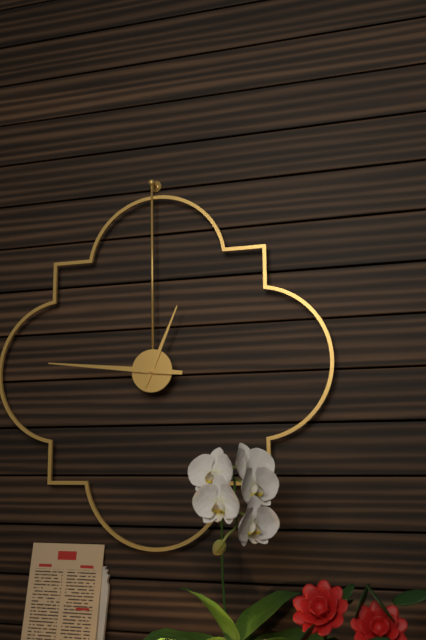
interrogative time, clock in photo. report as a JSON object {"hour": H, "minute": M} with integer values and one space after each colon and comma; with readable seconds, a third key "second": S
{"hour": 12, "minute": 46}
